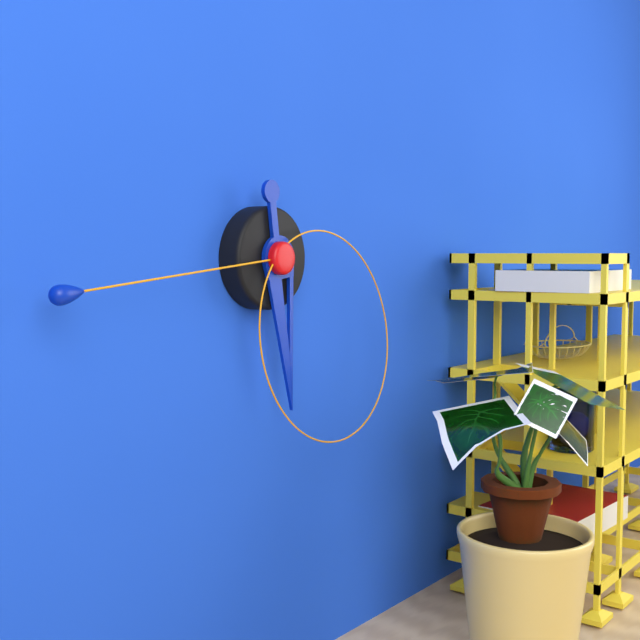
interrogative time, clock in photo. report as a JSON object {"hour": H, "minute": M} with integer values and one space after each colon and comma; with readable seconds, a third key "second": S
{"hour": 5, "minute": 44, "second": 23}
